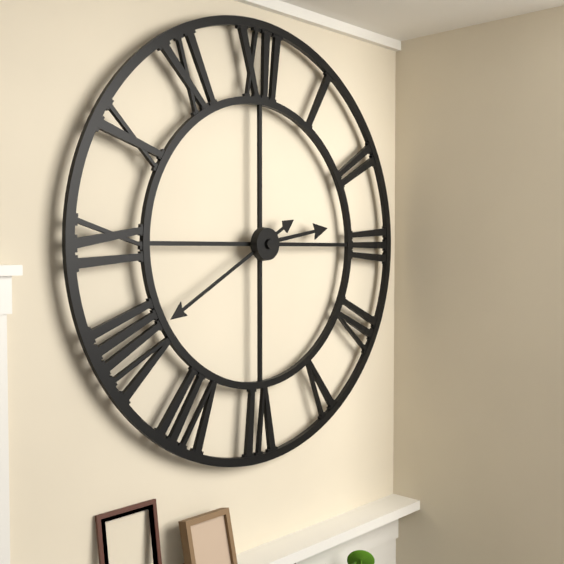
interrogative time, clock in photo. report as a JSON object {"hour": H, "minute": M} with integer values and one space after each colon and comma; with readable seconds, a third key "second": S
{"hour": 2, "minute": 40}
